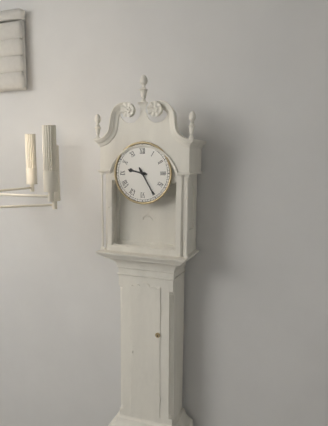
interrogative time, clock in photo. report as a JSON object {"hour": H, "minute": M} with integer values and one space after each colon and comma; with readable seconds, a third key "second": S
{"hour": 9, "minute": 25}
